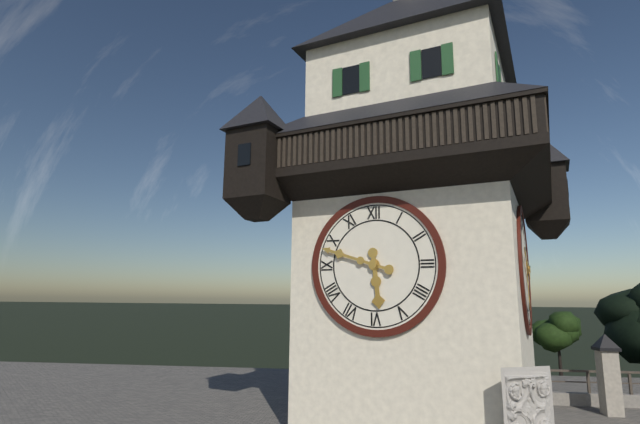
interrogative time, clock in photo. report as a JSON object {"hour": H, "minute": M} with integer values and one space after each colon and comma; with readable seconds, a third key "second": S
{"hour": 5, "minute": 48}
